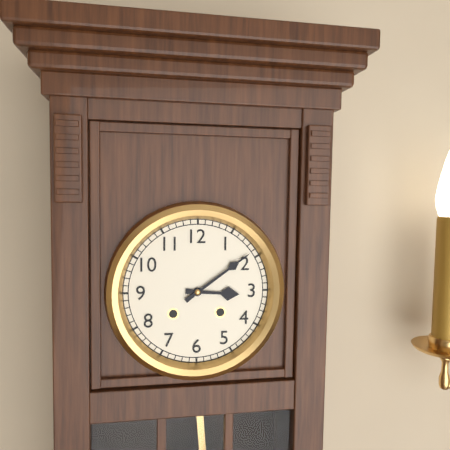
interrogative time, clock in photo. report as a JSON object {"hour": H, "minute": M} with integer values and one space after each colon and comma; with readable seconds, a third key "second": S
{"hour": 3, "minute": 9}
